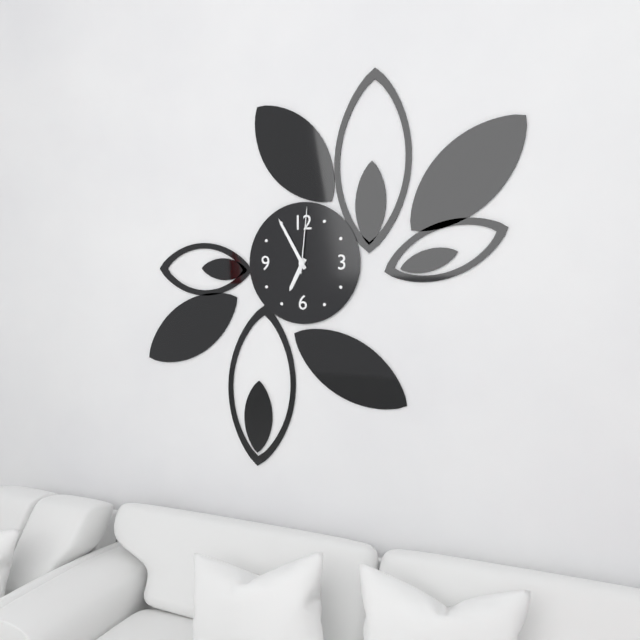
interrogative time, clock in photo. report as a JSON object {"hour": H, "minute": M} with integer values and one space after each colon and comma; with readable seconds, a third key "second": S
{"hour": 6, "minute": 55, "second": 1}
